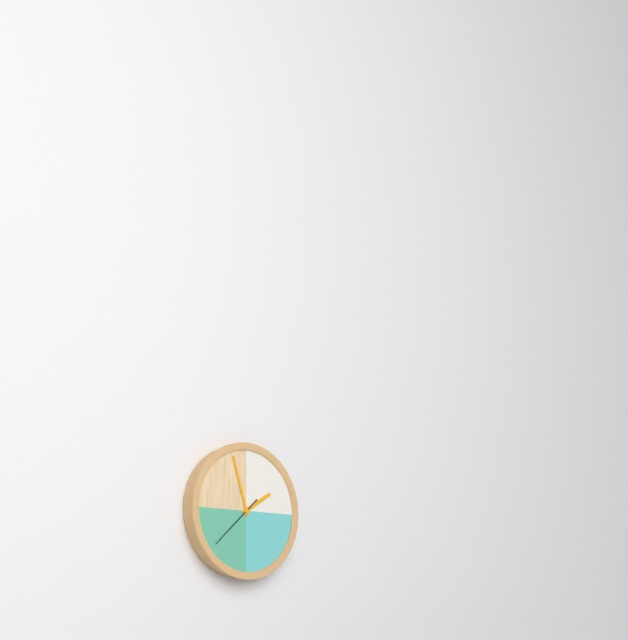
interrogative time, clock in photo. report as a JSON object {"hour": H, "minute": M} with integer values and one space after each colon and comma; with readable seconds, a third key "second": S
{"hour": 1, "minute": 57, "second": 38}
